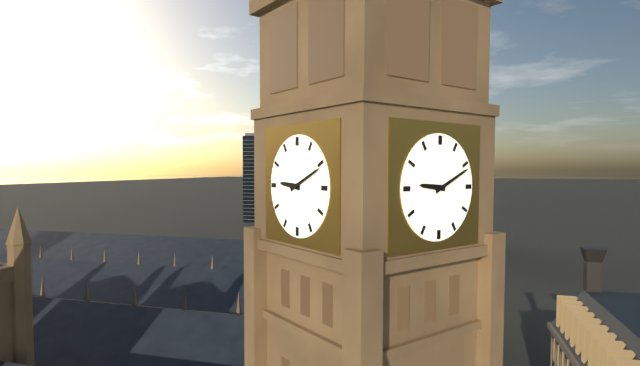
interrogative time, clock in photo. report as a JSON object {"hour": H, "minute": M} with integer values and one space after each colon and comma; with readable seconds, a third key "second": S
{"hour": 9, "minute": 11}
